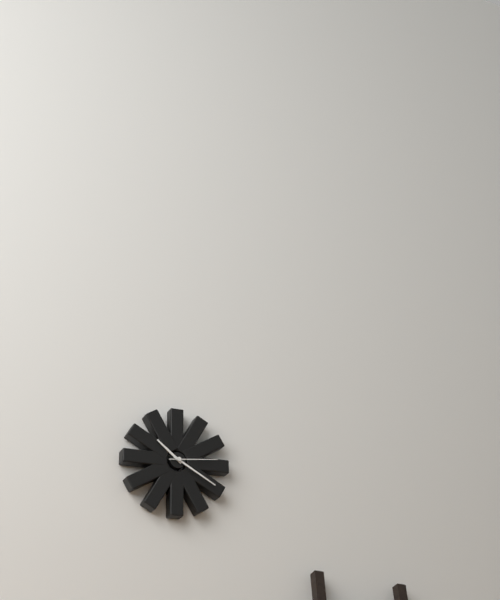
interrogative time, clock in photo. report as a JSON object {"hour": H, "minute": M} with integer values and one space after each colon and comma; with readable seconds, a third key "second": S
{"hour": 10, "minute": 20}
